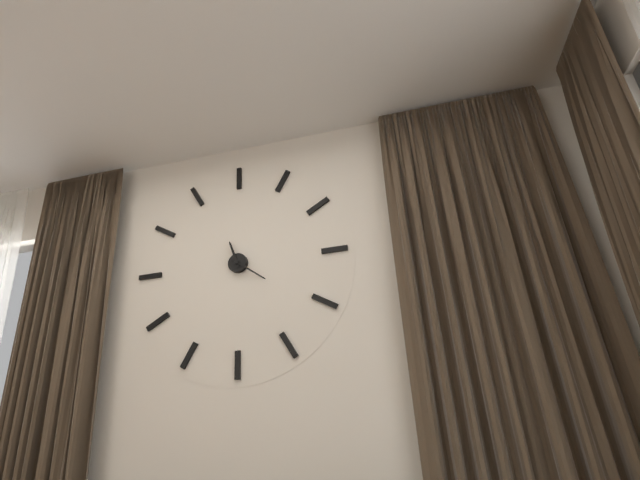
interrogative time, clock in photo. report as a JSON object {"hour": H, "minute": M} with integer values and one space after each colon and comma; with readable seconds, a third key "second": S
{"hour": 11, "minute": 21}
